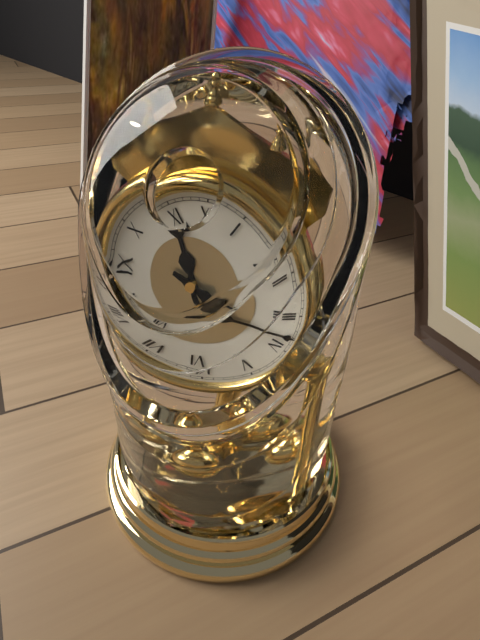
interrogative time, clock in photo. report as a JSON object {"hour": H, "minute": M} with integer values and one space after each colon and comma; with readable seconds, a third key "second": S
{"hour": 11, "minute": 18}
